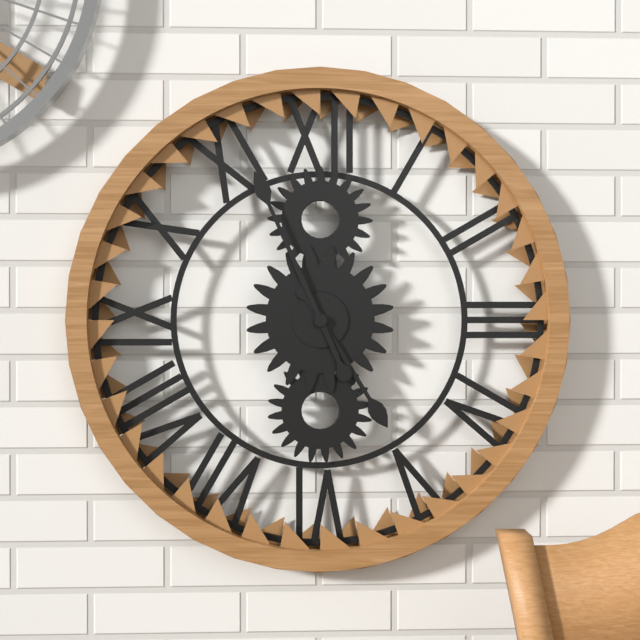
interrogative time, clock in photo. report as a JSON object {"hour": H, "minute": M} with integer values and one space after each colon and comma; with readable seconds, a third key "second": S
{"hour": 4, "minute": 56}
